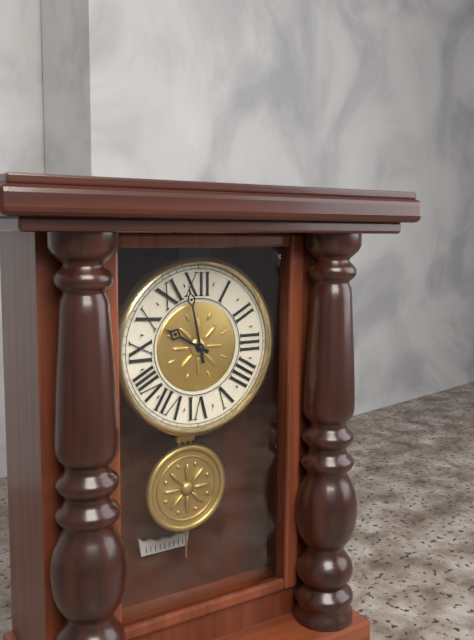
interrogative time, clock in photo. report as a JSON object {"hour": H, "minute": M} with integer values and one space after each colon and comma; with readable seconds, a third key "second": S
{"hour": 9, "minute": 58}
